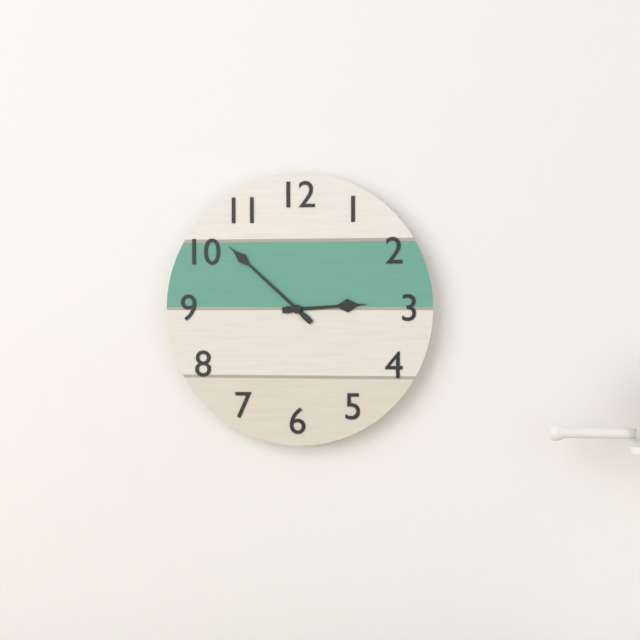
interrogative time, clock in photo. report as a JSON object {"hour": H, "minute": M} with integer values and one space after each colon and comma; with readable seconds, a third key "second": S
{"hour": 2, "minute": 52}
